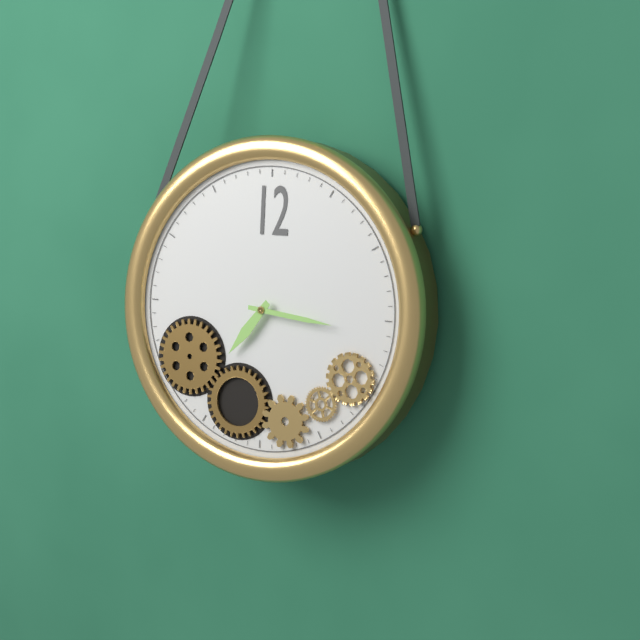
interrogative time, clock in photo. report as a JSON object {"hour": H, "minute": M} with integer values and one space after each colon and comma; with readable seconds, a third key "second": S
{"hour": 7, "minute": 16}
